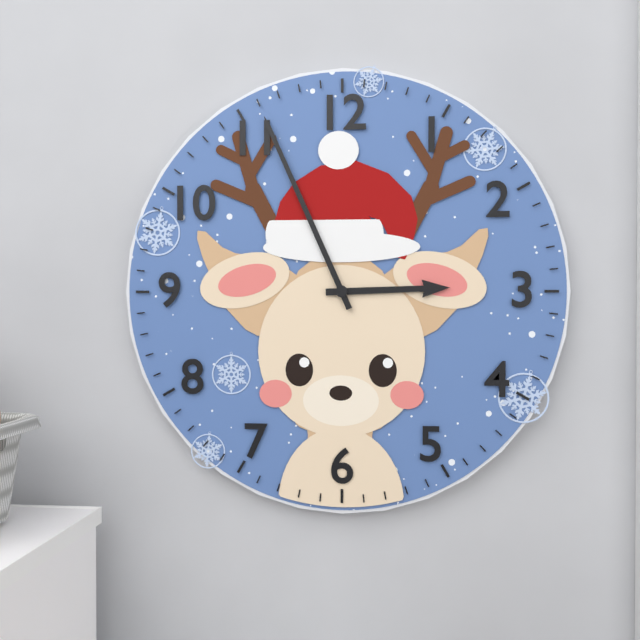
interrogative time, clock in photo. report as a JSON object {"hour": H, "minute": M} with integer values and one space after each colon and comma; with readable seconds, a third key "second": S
{"hour": 2, "minute": 56}
